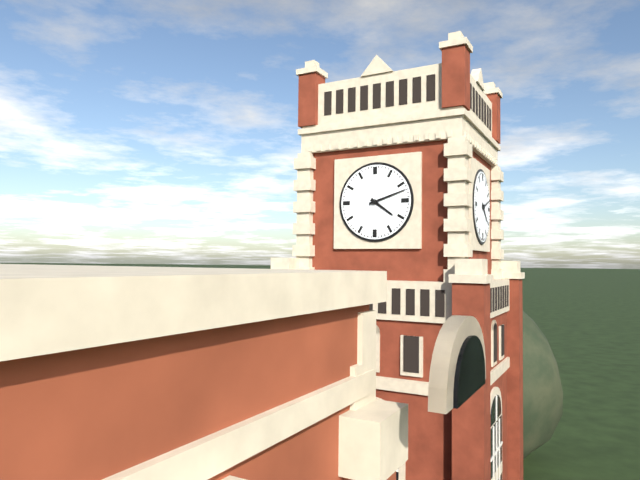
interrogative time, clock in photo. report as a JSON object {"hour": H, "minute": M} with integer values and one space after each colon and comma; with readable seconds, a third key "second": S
{"hour": 4, "minute": 12}
